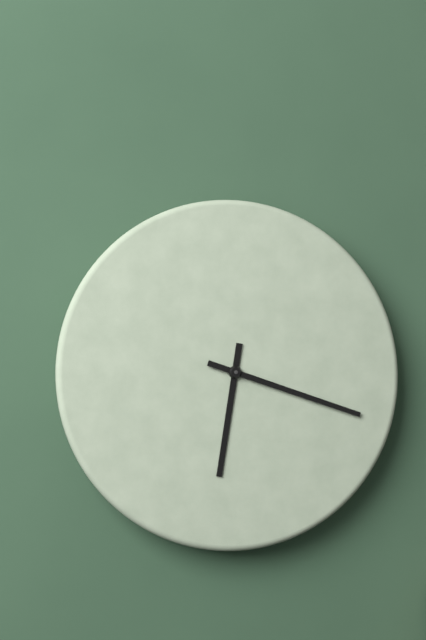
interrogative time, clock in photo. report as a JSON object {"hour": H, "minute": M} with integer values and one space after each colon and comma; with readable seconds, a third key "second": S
{"hour": 6, "minute": 18}
